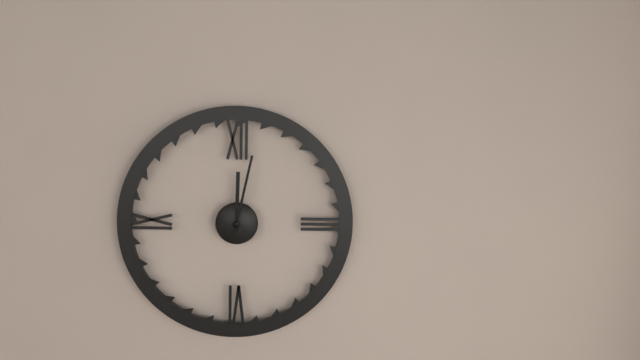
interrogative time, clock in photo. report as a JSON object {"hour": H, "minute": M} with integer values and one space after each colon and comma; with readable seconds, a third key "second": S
{"hour": 12, "minute": 2}
